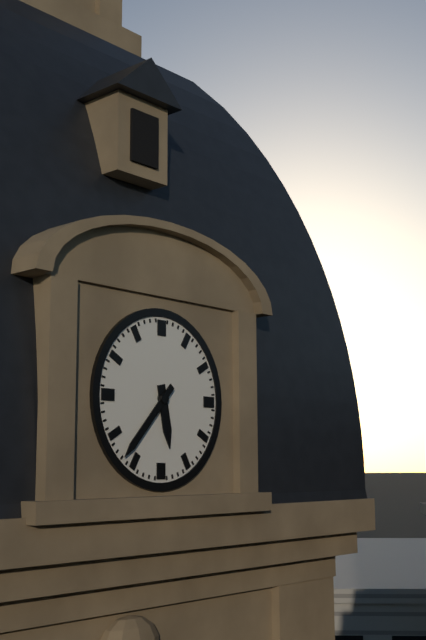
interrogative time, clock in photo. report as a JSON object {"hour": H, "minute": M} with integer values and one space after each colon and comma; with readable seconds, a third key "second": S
{"hour": 5, "minute": 37}
